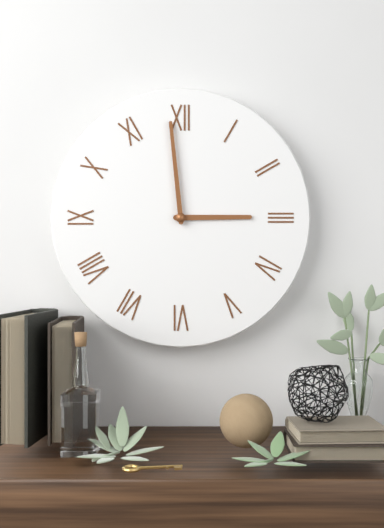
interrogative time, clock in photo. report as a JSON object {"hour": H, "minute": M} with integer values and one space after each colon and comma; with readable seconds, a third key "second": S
{"hour": 2, "minute": 59}
